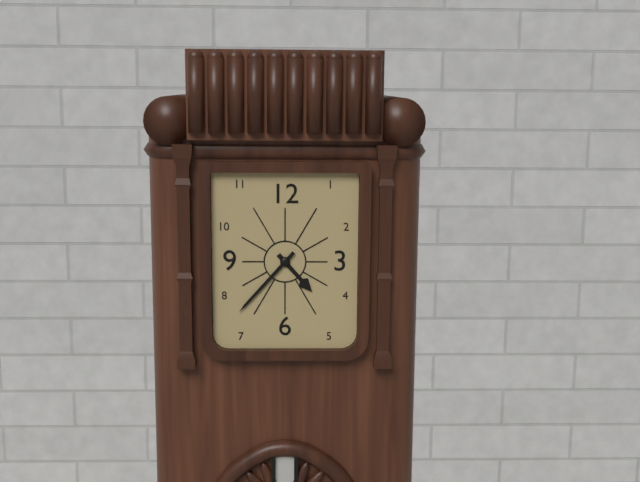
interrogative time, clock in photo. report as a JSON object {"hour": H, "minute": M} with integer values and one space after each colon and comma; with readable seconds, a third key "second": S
{"hour": 4, "minute": 37}
